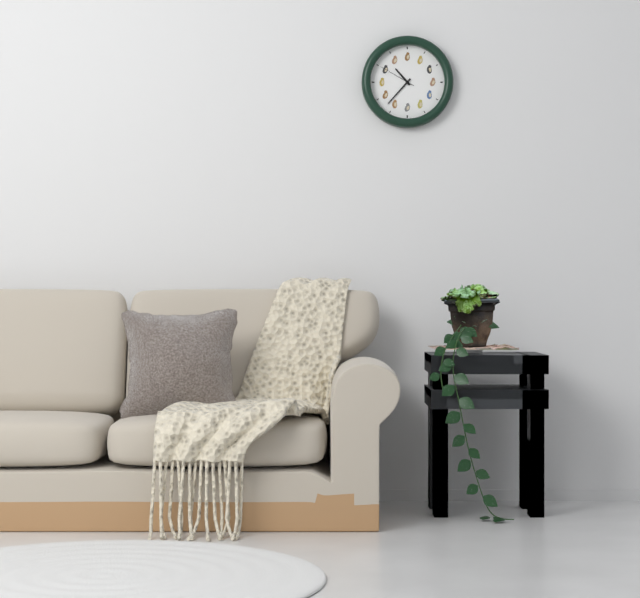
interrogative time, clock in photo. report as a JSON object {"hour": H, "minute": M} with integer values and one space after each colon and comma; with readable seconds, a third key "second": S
{"hour": 10, "minute": 37}
